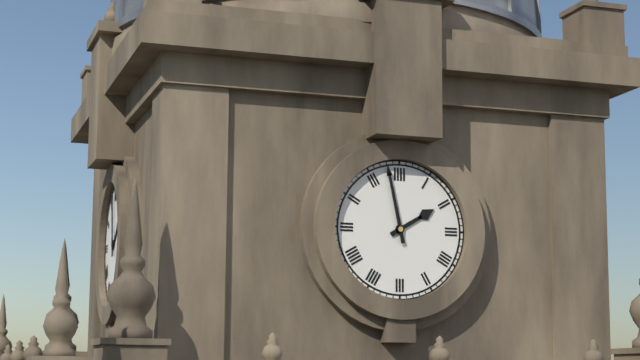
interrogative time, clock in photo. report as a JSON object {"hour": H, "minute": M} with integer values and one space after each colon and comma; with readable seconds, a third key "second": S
{"hour": 1, "minute": 58}
